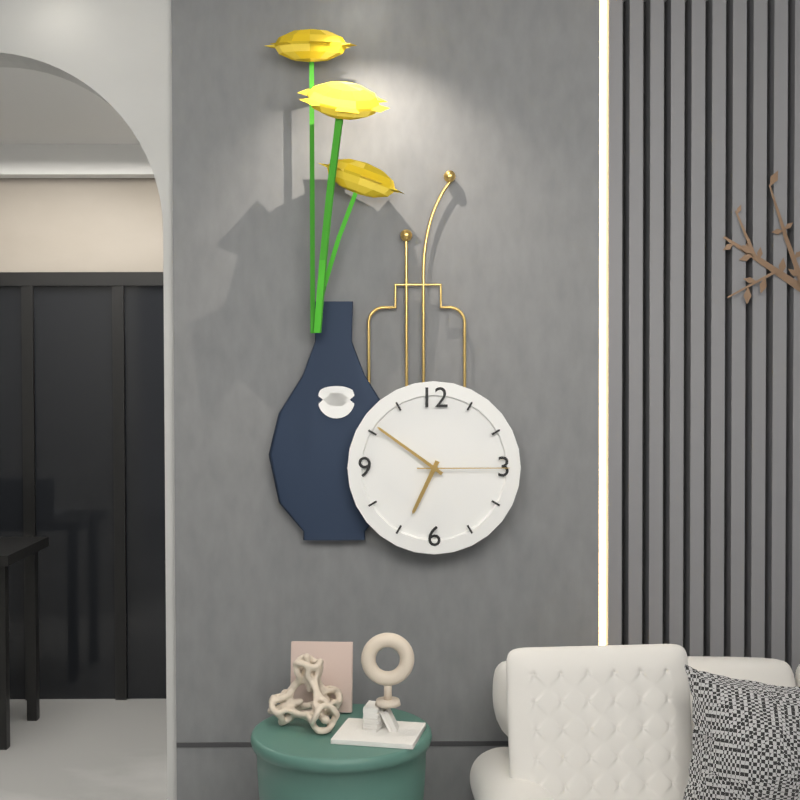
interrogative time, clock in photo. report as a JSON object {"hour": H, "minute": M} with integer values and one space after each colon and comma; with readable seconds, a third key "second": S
{"hour": 6, "minute": 51, "second": 15}
